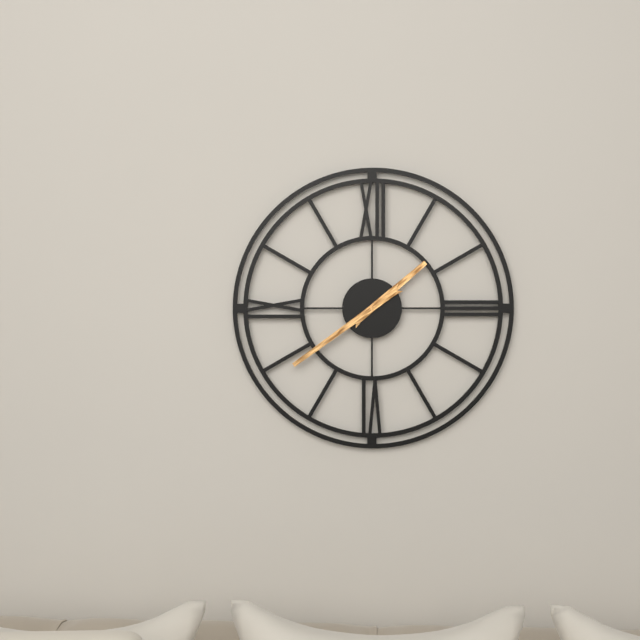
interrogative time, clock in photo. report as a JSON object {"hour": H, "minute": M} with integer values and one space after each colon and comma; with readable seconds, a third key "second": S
{"hour": 1, "minute": 39}
